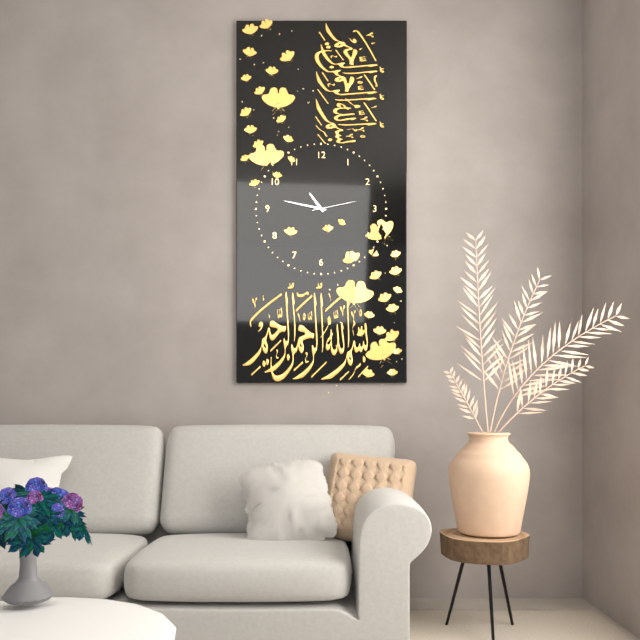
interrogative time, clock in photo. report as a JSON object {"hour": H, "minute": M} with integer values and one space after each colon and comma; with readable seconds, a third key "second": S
{"hour": 10, "minute": 47}
